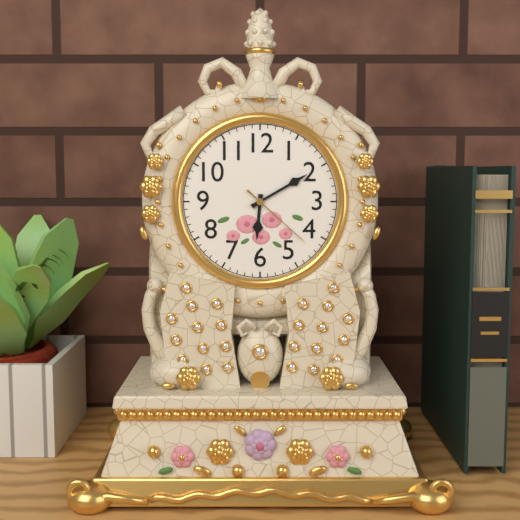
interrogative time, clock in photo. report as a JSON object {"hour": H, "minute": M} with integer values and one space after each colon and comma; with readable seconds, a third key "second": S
{"hour": 6, "minute": 10, "second": 22}
